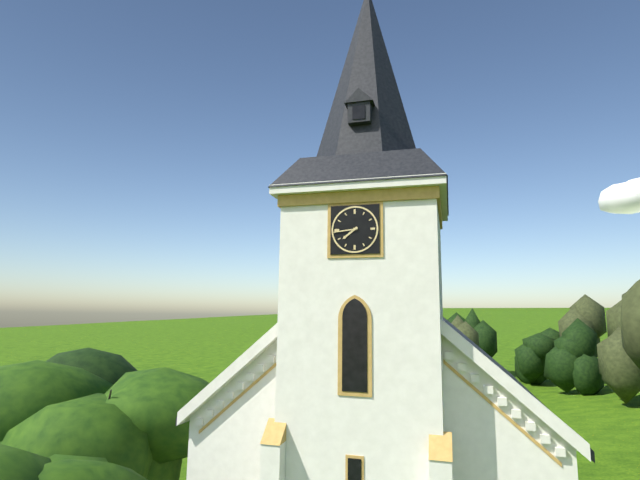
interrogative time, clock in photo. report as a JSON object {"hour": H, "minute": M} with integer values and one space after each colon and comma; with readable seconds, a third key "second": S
{"hour": 7, "minute": 44}
